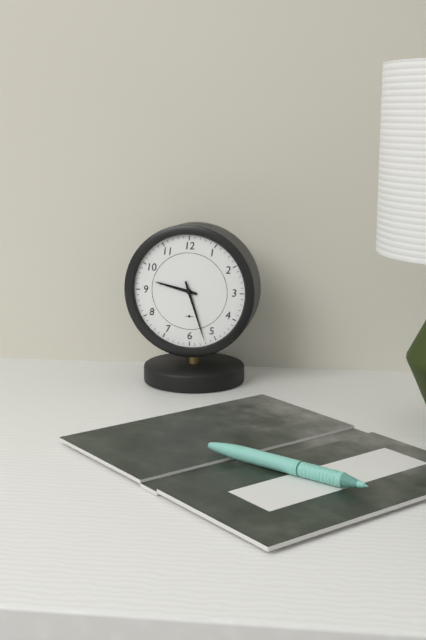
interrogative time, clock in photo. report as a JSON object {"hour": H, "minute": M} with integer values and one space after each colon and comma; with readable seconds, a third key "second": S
{"hour": 9, "minute": 27}
